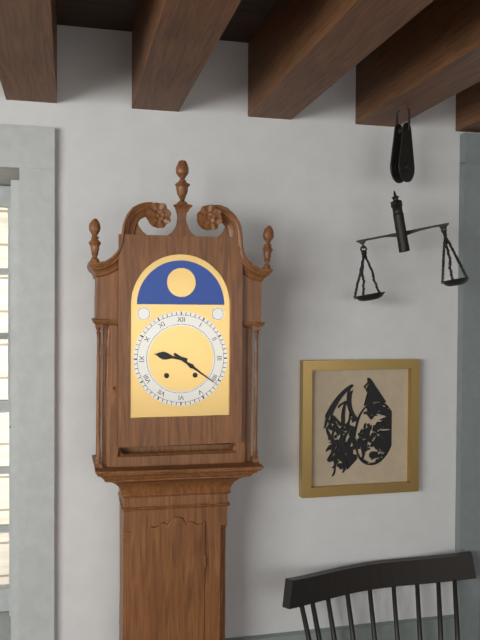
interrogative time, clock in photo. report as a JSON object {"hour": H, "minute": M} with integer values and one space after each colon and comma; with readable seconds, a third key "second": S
{"hour": 9, "minute": 21}
